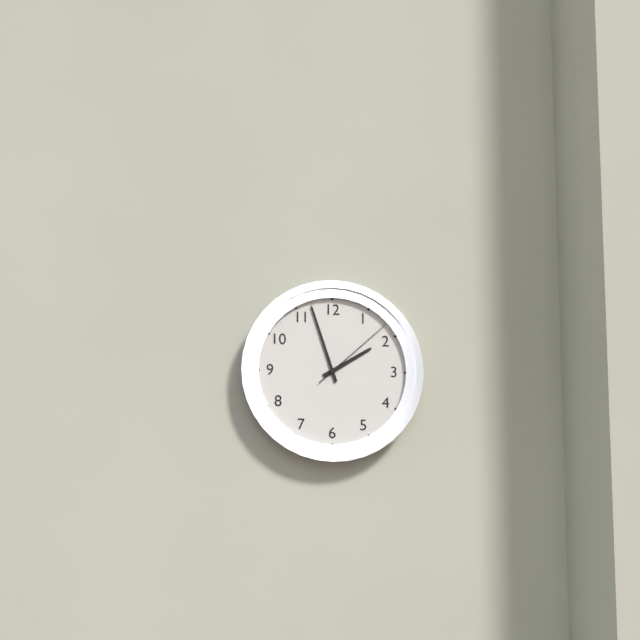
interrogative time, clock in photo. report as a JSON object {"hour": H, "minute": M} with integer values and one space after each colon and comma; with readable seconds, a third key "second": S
{"hour": 1, "minute": 57, "second": 8}
